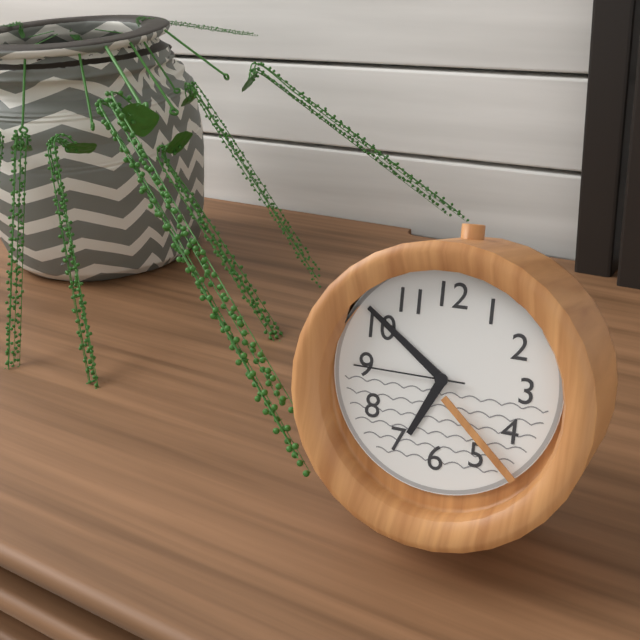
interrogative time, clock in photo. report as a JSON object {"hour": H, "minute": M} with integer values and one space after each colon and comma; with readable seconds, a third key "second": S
{"hour": 6, "minute": 51, "second": 45}
